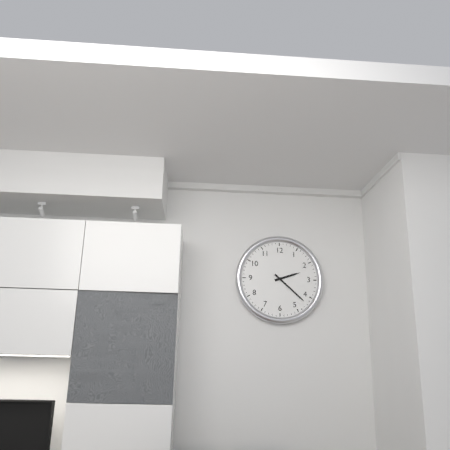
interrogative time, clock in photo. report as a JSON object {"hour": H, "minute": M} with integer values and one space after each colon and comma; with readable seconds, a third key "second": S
{"hour": 2, "minute": 22}
